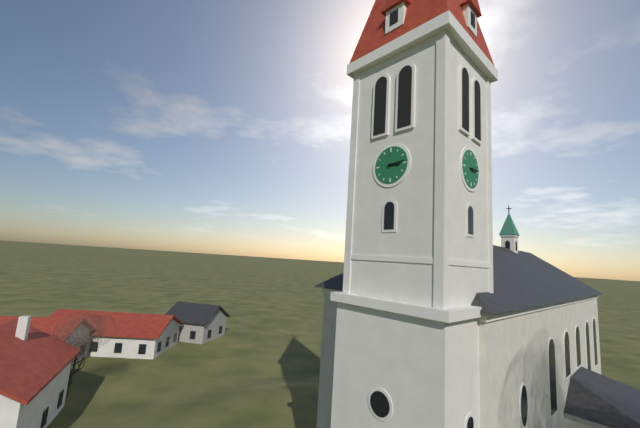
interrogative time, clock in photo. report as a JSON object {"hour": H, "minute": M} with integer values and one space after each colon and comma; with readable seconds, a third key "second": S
{"hour": 3, "minute": 14}
